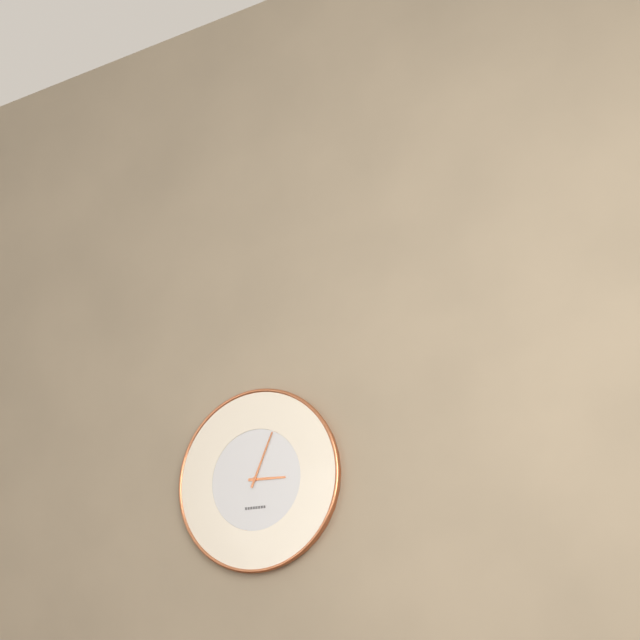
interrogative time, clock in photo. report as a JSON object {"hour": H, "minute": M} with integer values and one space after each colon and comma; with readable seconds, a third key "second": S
{"hour": 3, "minute": 4}
